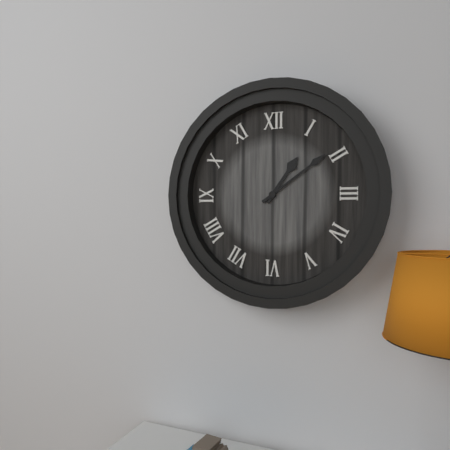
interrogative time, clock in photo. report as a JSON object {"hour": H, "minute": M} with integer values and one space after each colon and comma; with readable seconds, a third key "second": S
{"hour": 1, "minute": 9}
